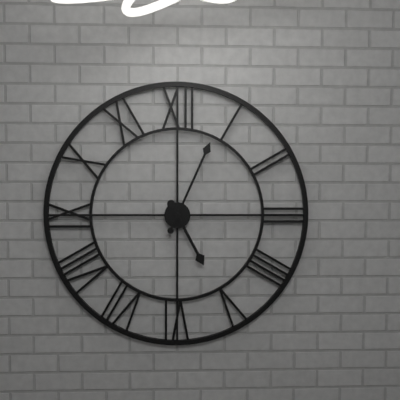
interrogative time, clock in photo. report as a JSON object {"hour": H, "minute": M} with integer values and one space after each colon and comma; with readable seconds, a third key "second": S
{"hour": 5, "minute": 4}
